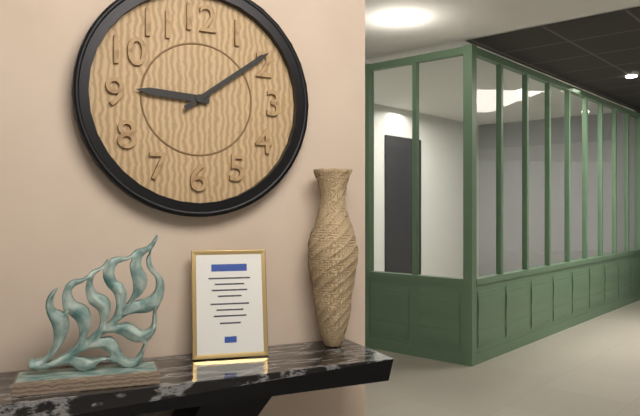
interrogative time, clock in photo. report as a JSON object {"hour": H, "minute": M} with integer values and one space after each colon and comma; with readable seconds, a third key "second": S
{"hour": 9, "minute": 9}
